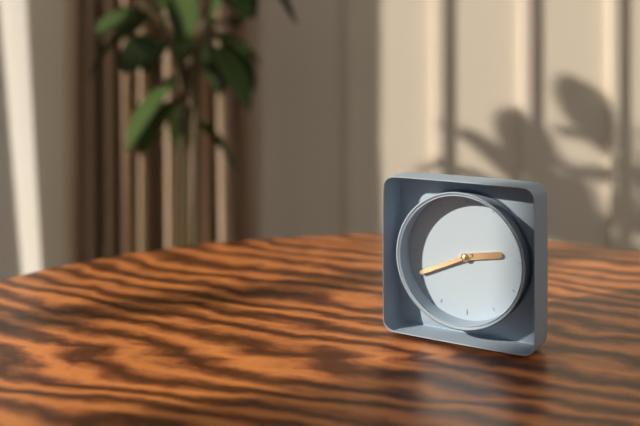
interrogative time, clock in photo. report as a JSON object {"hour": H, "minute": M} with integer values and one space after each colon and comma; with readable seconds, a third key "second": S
{"hour": 2, "minute": 41}
